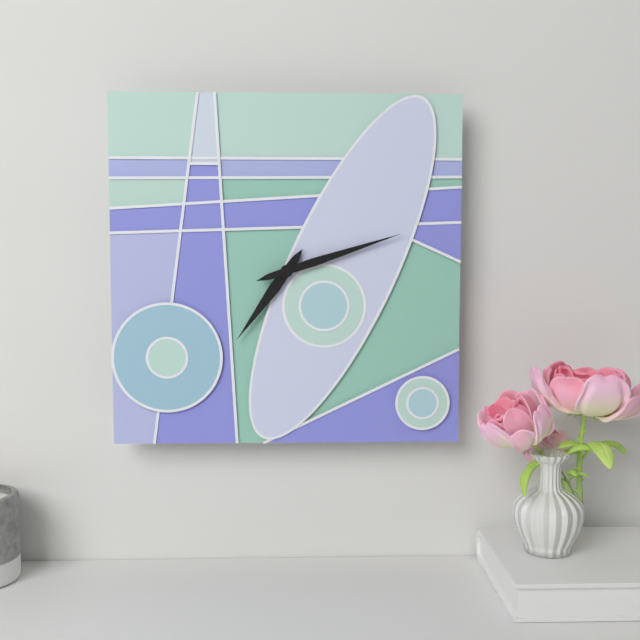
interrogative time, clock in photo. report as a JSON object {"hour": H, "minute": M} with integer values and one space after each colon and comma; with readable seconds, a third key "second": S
{"hour": 7, "minute": 12}
